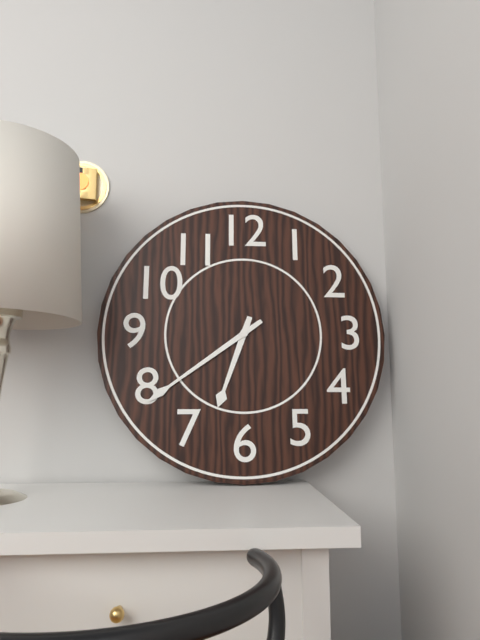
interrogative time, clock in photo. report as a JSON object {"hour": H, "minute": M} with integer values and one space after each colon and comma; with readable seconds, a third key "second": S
{"hour": 6, "minute": 39}
